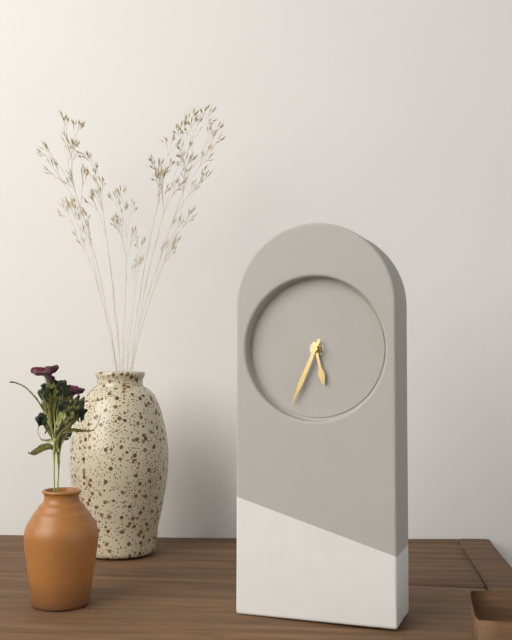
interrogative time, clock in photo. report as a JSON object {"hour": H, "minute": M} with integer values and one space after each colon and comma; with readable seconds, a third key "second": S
{"hour": 5, "minute": 34}
